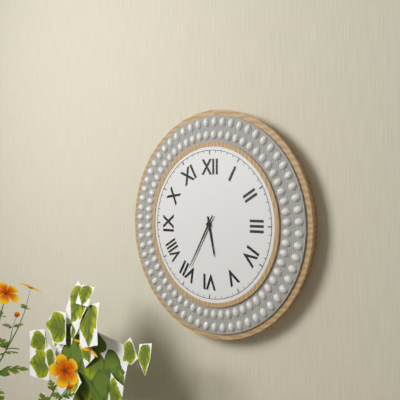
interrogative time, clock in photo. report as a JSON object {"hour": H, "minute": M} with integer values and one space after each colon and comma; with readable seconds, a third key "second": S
{"hour": 5, "minute": 35}
